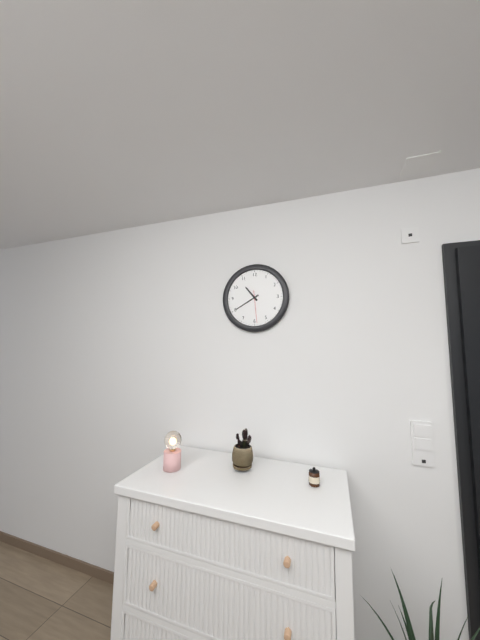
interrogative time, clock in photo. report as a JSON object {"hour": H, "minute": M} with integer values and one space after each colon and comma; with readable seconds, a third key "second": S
{"hour": 10, "minute": 40}
